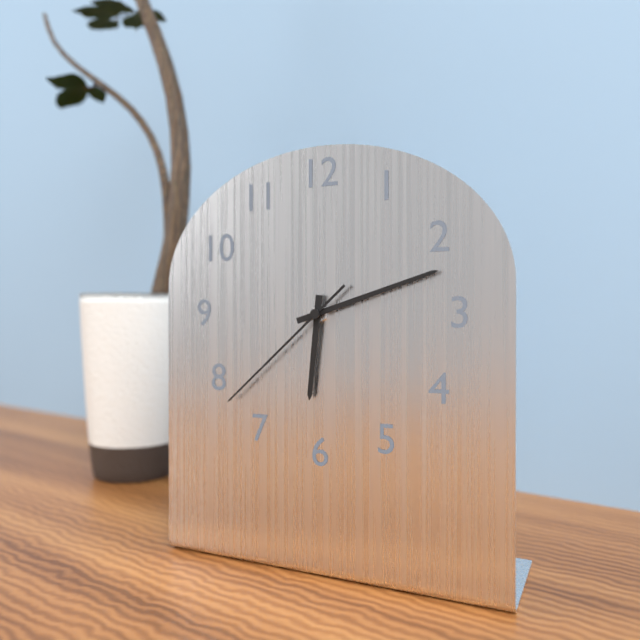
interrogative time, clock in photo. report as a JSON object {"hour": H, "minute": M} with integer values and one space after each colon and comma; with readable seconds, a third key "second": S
{"hour": 6, "minute": 12, "second": 38}
